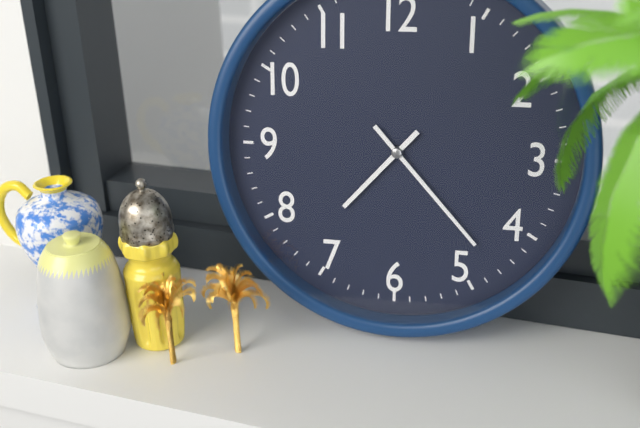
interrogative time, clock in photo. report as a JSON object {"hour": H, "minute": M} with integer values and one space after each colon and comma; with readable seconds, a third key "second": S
{"hour": 7, "minute": 23}
